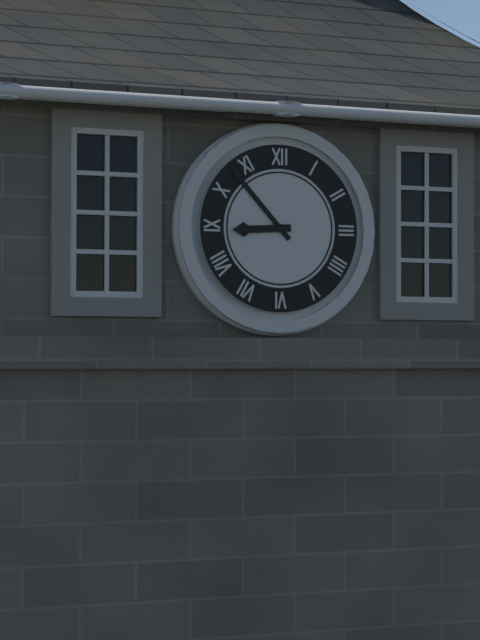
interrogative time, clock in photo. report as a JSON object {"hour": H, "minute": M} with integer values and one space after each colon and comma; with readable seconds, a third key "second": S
{"hour": 8, "minute": 53}
